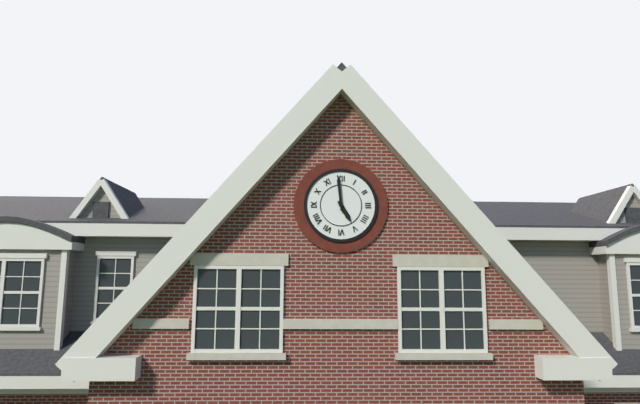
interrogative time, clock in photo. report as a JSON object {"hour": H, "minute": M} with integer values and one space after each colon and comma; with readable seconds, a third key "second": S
{"hour": 4, "minute": 59}
